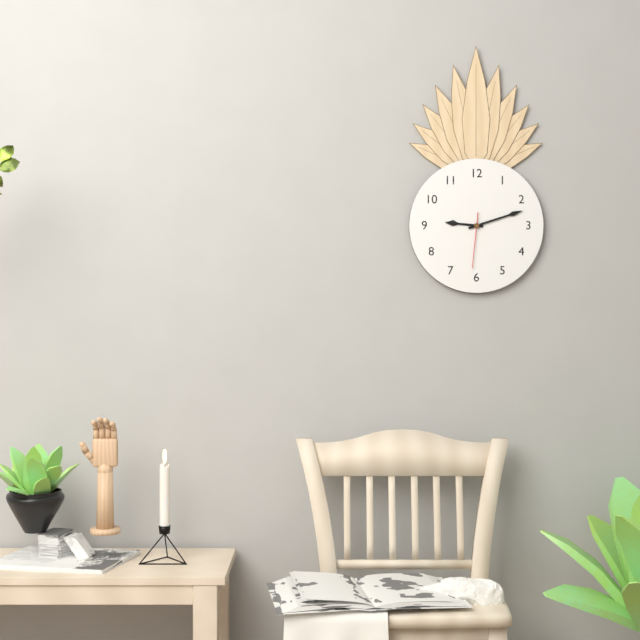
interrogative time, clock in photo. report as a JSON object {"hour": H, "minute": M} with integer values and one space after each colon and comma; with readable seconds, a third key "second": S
{"hour": 9, "minute": 12, "second": 31}
